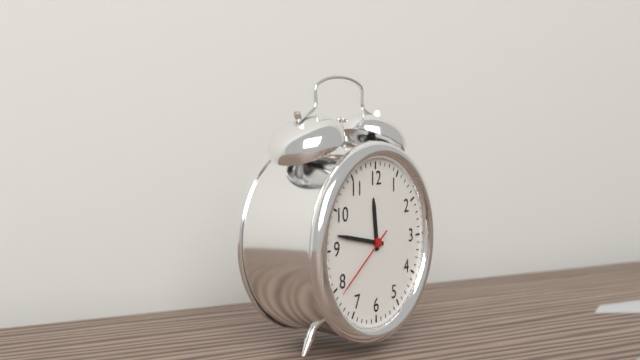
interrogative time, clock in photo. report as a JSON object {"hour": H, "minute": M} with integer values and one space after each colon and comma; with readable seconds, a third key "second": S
{"hour": 11, "minute": 47, "second": 39}
